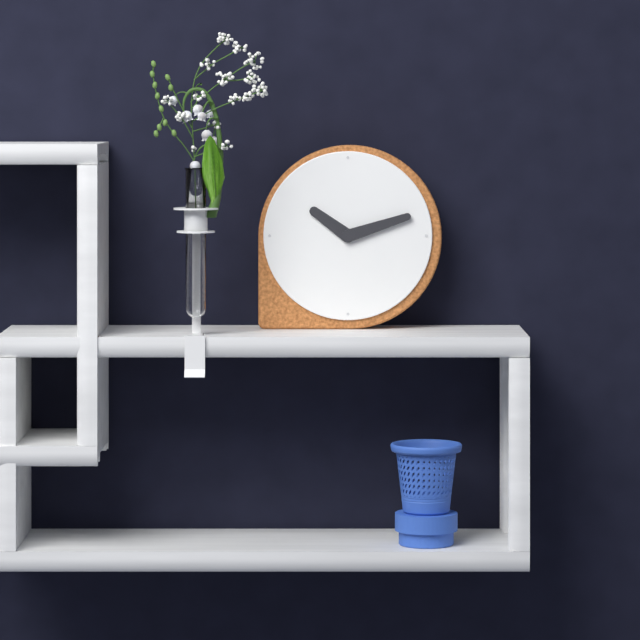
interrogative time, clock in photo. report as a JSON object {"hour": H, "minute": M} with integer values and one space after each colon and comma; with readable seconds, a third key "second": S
{"hour": 10, "minute": 12}
